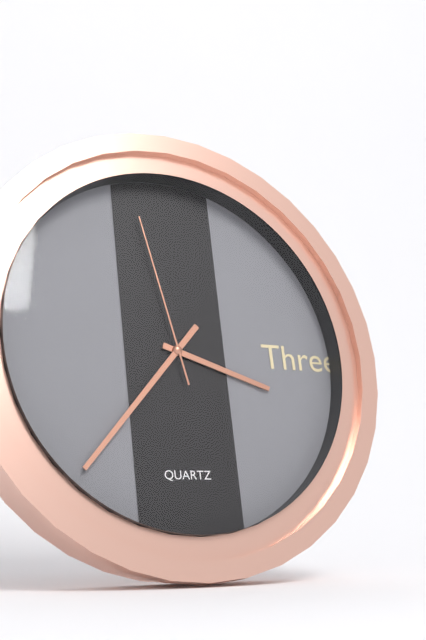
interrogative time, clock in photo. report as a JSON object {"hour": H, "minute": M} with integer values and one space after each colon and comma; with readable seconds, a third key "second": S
{"hour": 3, "minute": 37, "second": 58}
